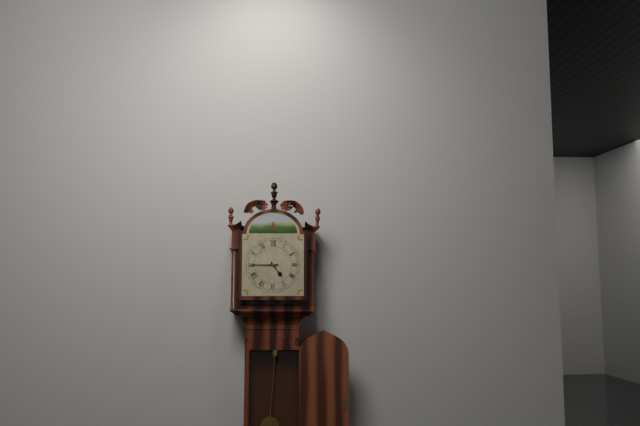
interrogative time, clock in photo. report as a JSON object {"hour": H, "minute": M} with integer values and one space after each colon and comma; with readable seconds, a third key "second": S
{"hour": 4, "minute": 45}
